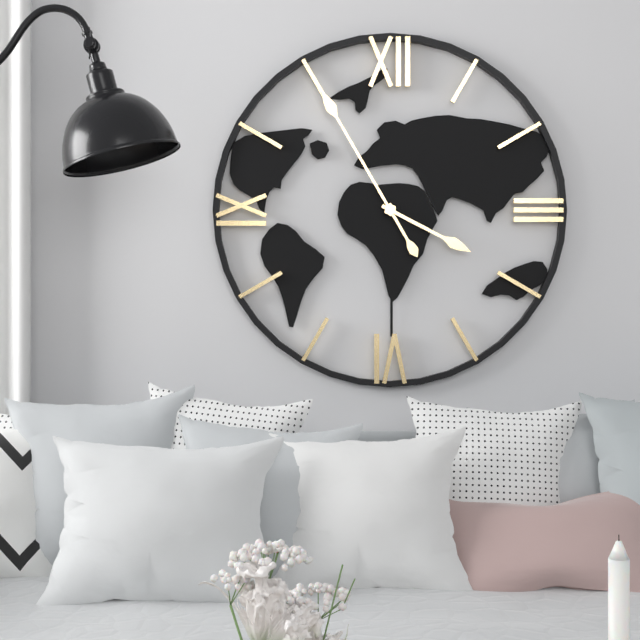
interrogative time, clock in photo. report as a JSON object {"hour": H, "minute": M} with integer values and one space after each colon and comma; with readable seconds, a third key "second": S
{"hour": 3, "minute": 55}
